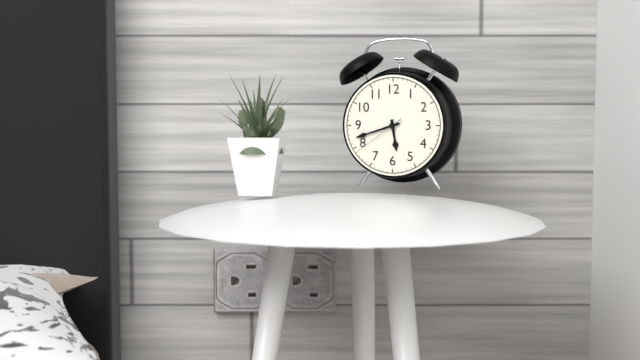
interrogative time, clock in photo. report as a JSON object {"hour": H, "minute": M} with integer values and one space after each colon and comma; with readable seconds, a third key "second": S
{"hour": 5, "minute": 42, "second": 39}
